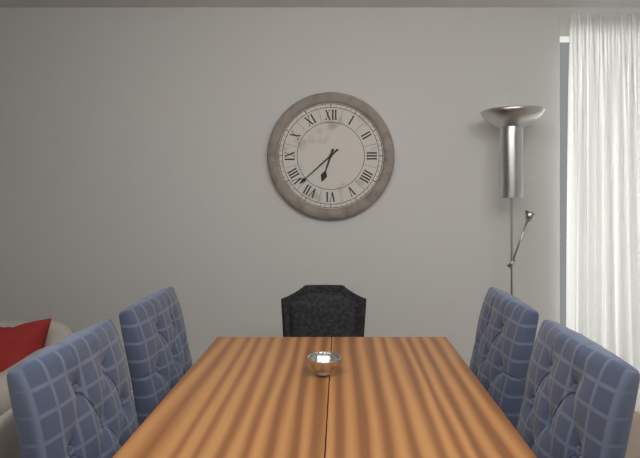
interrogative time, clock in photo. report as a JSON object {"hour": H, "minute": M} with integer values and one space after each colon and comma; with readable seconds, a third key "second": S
{"hour": 6, "minute": 38}
